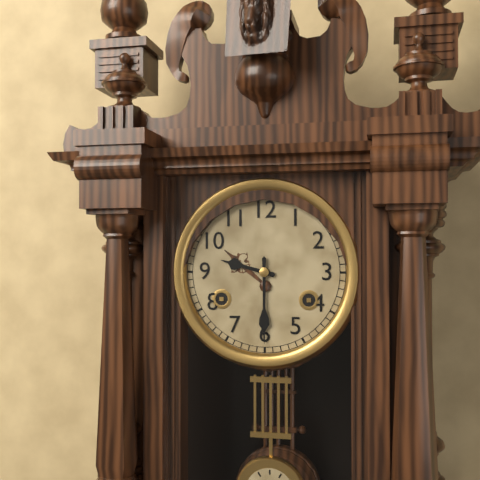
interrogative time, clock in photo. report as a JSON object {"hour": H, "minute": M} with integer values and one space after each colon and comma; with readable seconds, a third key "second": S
{"hour": 9, "minute": 30}
